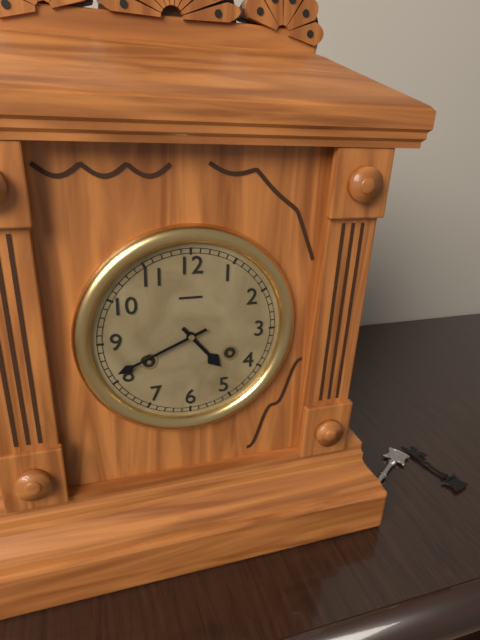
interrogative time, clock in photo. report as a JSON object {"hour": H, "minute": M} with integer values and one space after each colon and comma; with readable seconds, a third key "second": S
{"hour": 4, "minute": 41}
